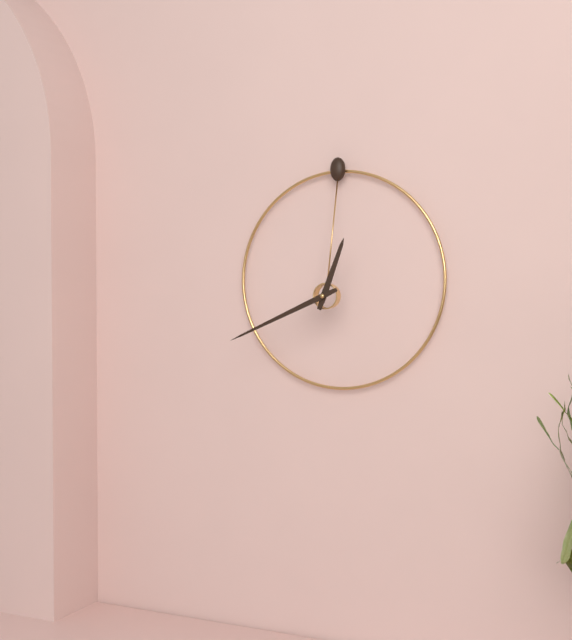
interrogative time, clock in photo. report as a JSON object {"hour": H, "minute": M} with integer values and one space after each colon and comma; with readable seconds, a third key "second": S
{"hour": 12, "minute": 41}
